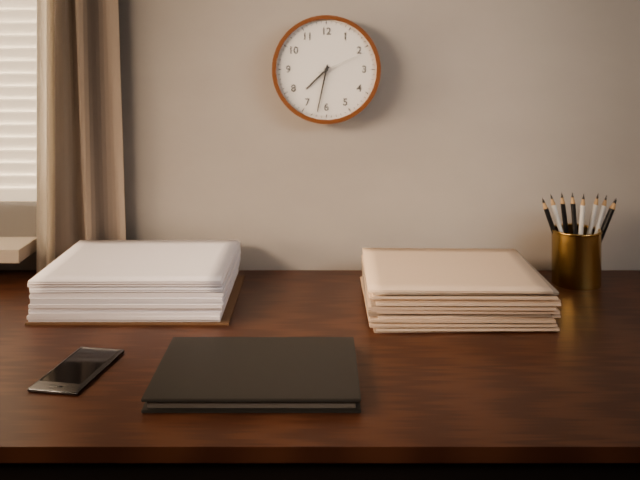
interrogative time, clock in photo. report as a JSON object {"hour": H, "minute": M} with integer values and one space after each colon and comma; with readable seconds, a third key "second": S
{"hour": 7, "minute": 32, "second": 11}
